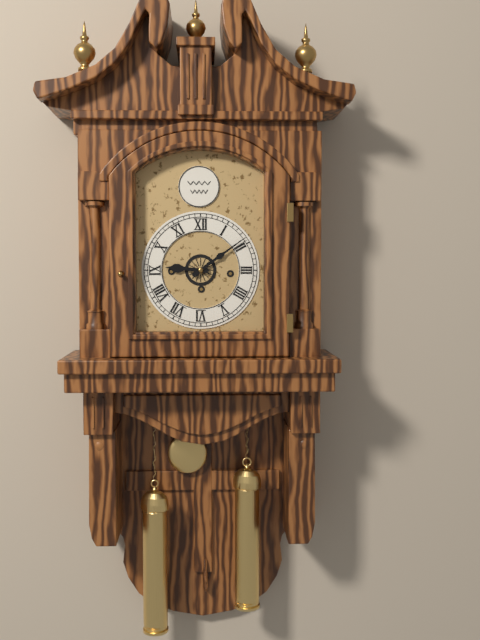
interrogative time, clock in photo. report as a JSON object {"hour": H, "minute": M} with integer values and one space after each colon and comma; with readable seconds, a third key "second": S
{"hour": 9, "minute": 9}
